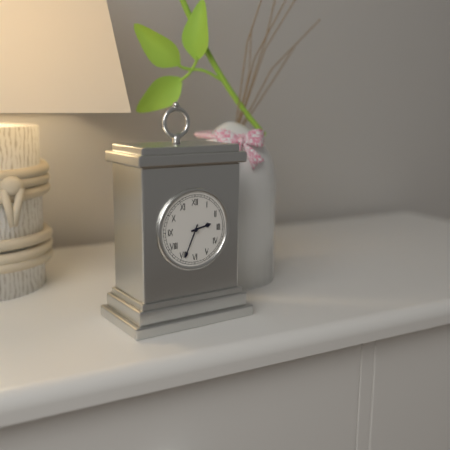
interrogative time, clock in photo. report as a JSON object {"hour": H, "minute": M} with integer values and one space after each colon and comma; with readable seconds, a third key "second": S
{"hour": 2, "minute": 34}
